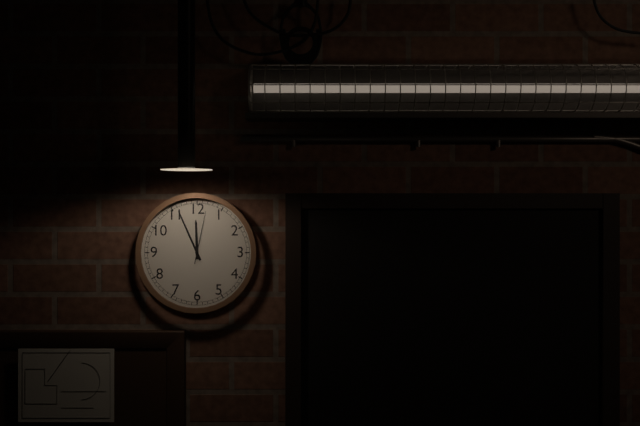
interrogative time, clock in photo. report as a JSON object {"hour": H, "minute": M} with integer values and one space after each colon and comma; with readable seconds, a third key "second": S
{"hour": 11, "minute": 56, "second": 2}
